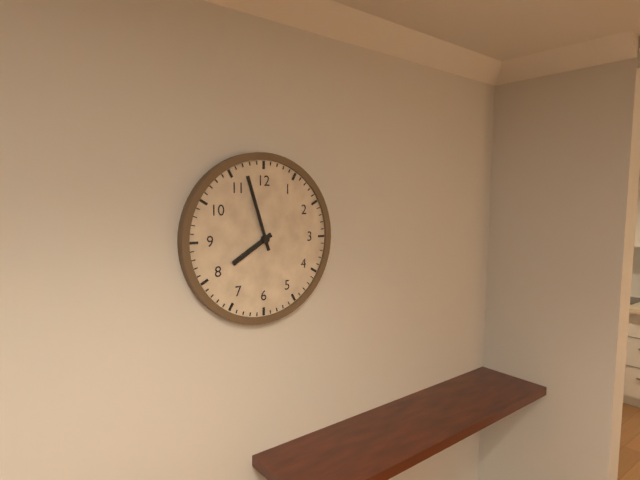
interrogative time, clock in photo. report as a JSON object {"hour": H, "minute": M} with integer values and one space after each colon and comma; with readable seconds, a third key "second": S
{"hour": 7, "minute": 57}
